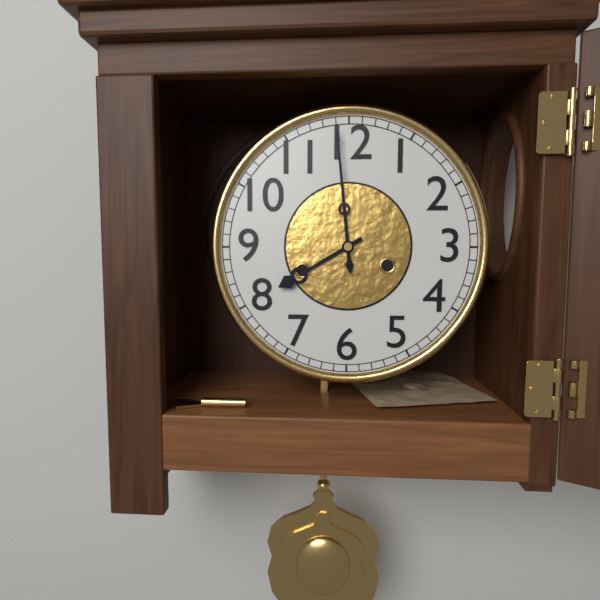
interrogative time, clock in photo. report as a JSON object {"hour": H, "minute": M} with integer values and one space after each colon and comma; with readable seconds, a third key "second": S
{"hour": 7, "minute": 59}
